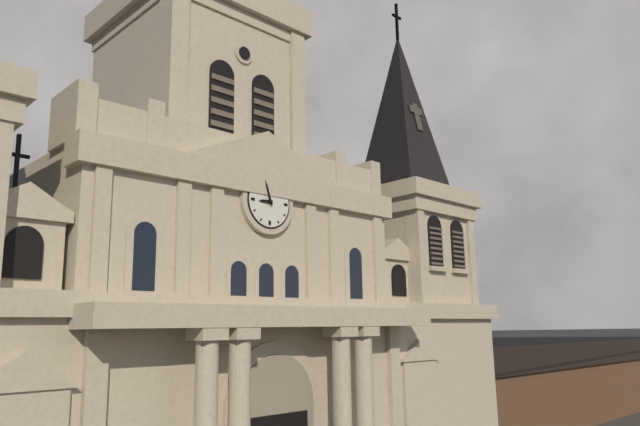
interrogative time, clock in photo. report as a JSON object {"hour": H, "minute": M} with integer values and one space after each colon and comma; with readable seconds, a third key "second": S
{"hour": 8, "minute": 57}
